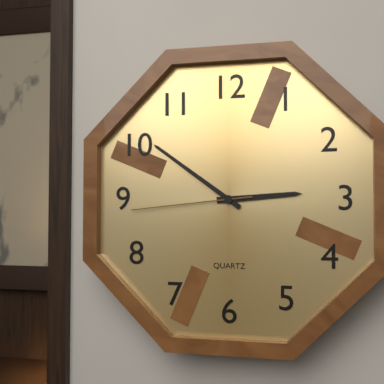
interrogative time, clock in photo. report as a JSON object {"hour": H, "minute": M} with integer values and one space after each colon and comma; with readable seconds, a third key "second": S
{"hour": 2, "minute": 51, "second": 44}
